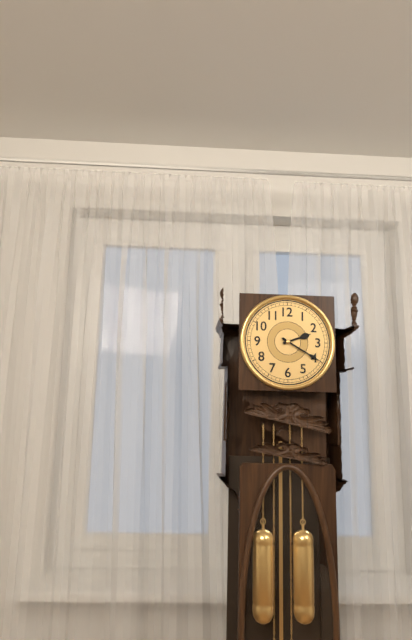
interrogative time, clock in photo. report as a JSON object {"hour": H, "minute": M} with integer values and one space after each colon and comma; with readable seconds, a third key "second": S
{"hour": 2, "minute": 20}
